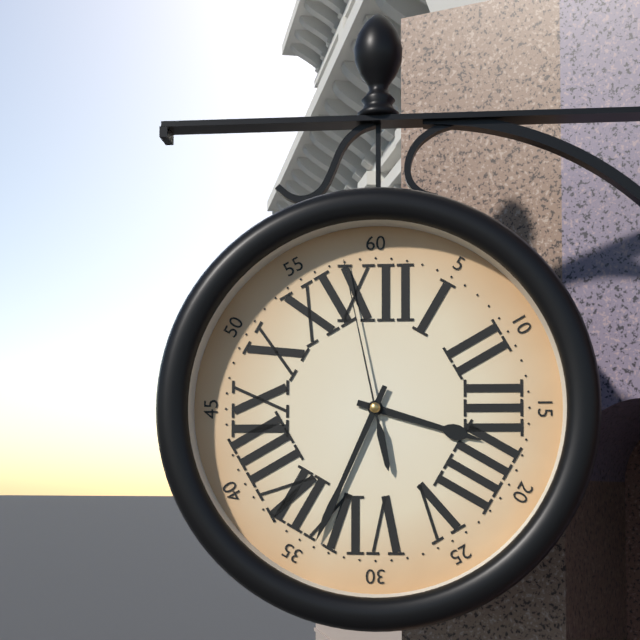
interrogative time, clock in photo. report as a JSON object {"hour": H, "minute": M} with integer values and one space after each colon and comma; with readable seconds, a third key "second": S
{"hour": 3, "minute": 34, "second": 58}
